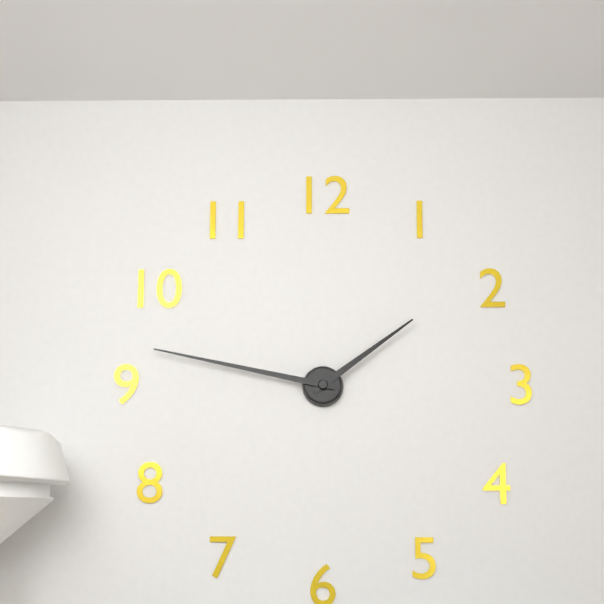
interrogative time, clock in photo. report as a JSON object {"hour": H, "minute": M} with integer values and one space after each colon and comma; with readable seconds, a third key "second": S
{"hour": 1, "minute": 47}
